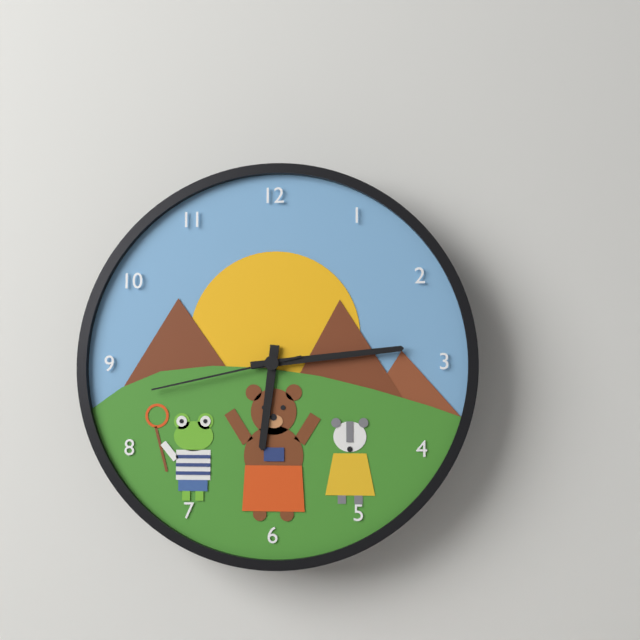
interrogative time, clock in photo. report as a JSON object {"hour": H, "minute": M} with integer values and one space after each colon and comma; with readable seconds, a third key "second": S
{"hour": 6, "minute": 14, "second": 43}
